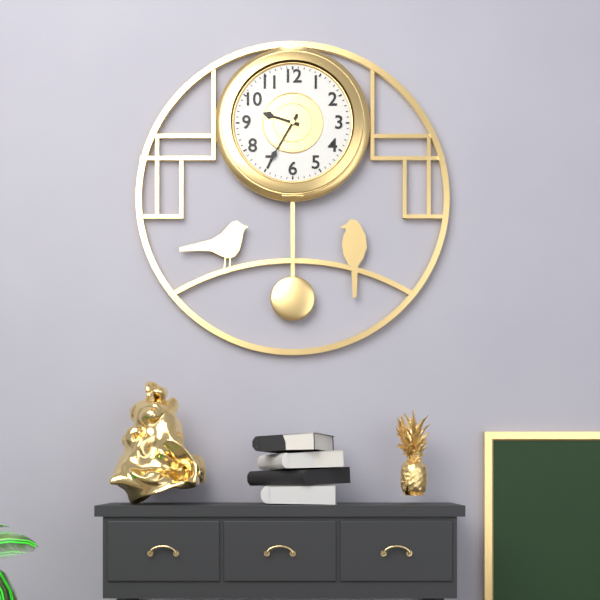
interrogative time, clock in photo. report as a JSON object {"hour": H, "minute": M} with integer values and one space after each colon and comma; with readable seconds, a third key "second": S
{"hour": 9, "minute": 35}
